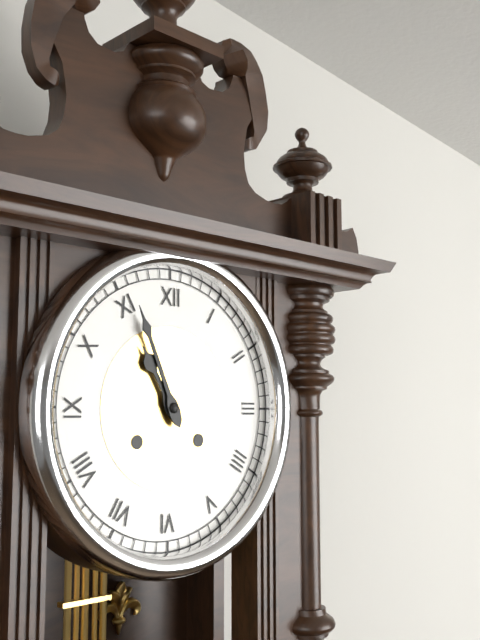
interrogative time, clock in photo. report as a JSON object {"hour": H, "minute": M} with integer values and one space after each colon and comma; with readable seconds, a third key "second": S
{"hour": 10, "minute": 56}
